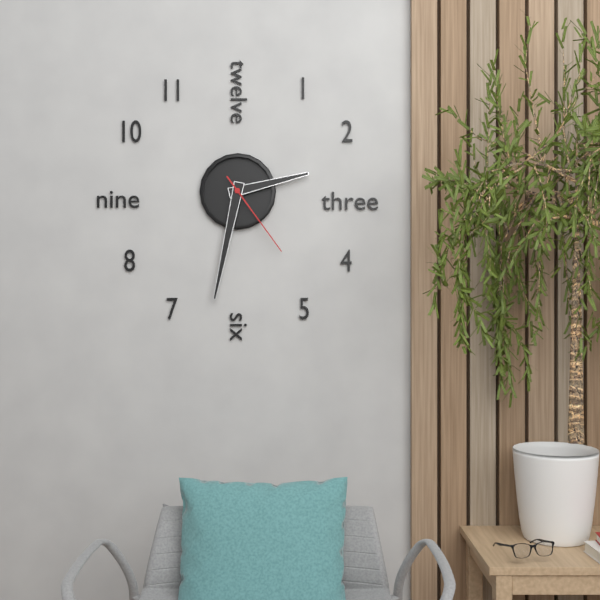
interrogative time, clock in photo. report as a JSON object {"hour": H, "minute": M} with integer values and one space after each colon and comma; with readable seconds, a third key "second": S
{"hour": 2, "minute": 32, "second": 24}
